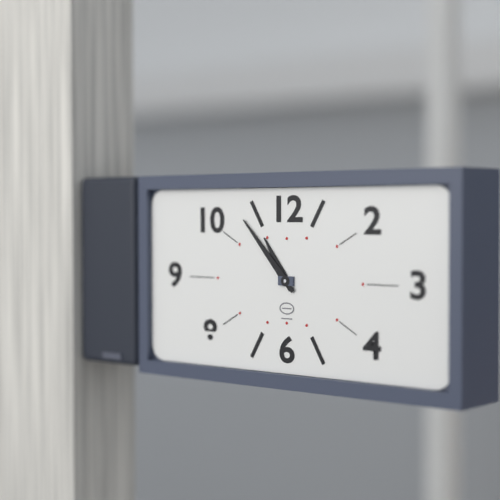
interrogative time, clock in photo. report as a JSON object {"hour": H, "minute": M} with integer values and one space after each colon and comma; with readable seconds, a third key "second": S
{"hour": 10, "minute": 53}
